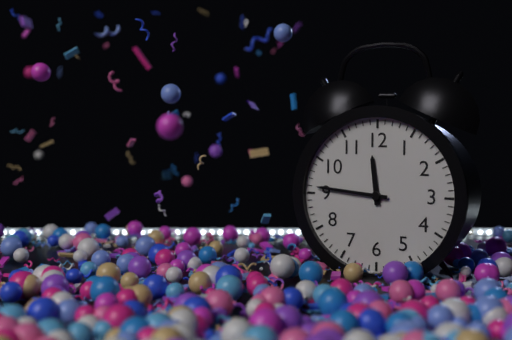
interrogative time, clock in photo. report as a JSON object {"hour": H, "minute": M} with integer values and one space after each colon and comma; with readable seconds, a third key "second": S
{"hour": 11, "minute": 46}
